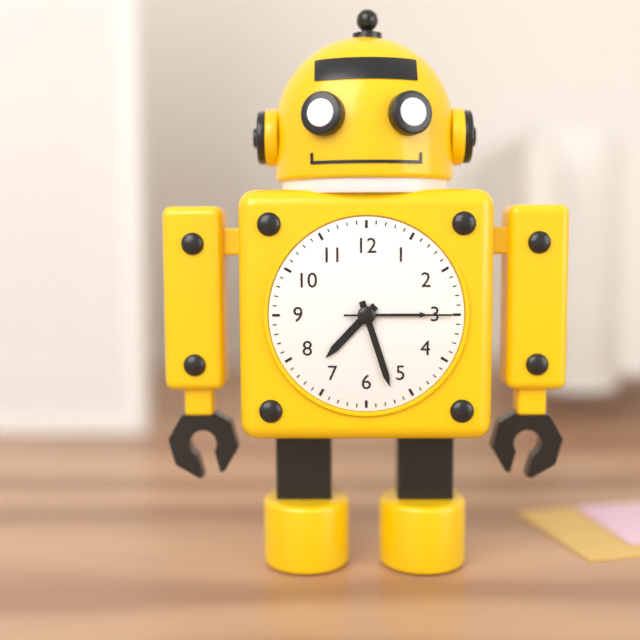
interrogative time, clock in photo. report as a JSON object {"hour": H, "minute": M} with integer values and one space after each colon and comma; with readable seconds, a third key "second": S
{"hour": 7, "minute": 27, "second": 15}
